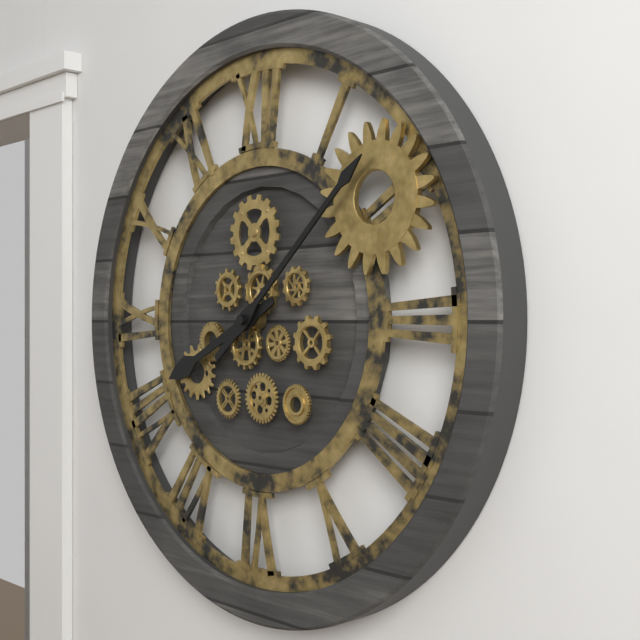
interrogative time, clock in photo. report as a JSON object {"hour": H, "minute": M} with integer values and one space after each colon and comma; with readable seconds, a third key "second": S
{"hour": 8, "minute": 8}
